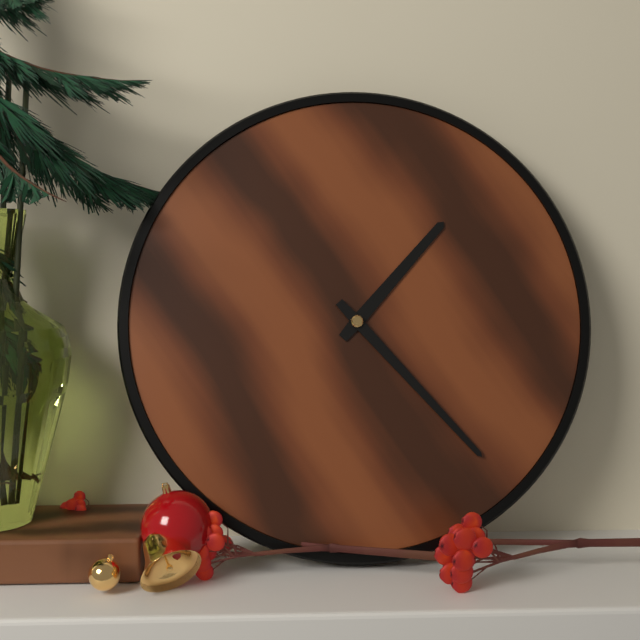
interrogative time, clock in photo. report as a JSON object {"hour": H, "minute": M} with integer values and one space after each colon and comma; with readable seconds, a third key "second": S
{"hour": 1, "minute": 23}
